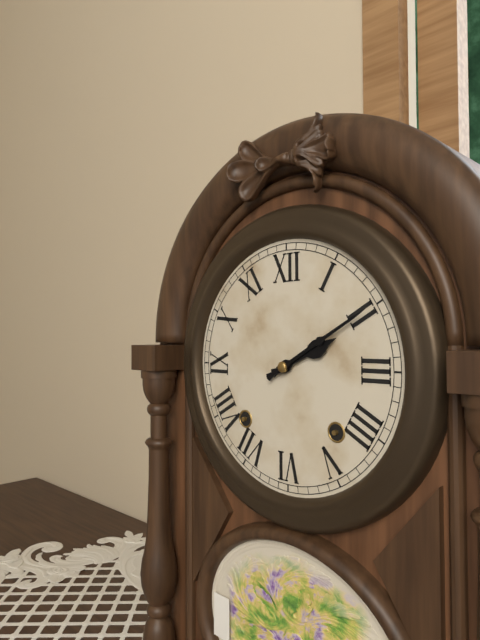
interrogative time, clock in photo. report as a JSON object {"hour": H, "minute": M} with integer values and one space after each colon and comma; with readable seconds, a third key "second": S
{"hour": 2, "minute": 10}
